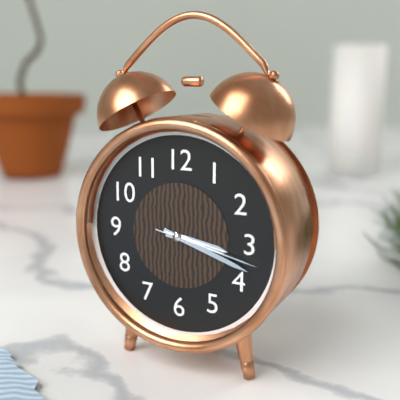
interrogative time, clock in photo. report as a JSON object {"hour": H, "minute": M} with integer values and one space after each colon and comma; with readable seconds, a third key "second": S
{"hour": 3, "minute": 18, "second": 17}
